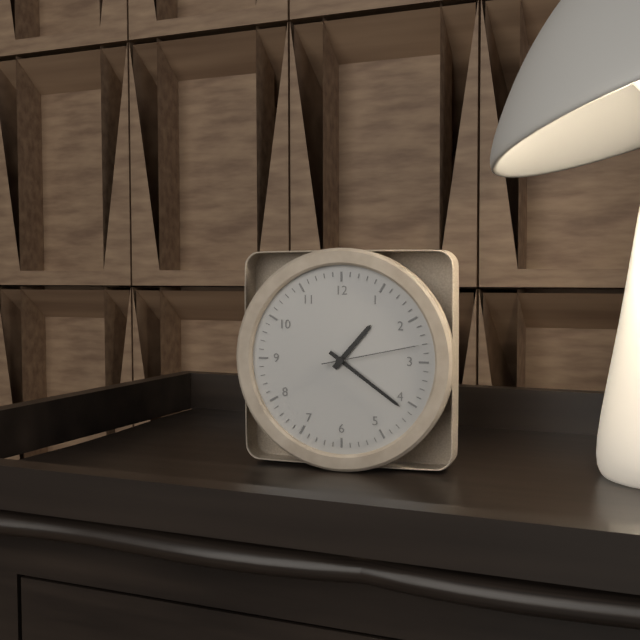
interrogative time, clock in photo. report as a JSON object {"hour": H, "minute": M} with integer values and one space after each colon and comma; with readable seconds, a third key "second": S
{"hour": 1, "minute": 21, "second": 13}
